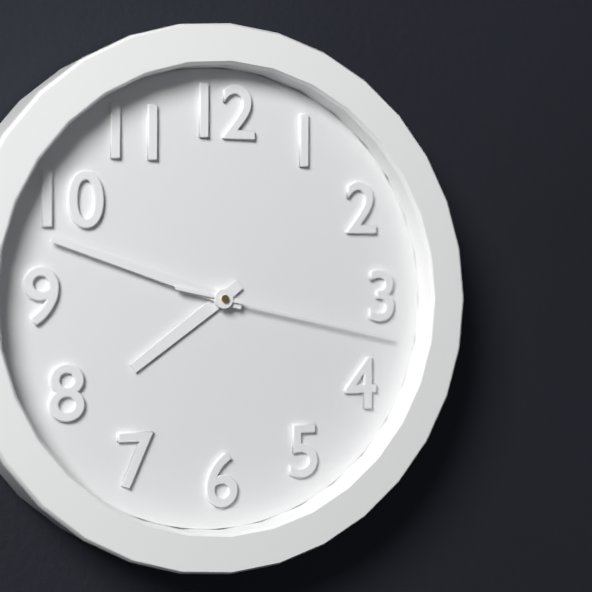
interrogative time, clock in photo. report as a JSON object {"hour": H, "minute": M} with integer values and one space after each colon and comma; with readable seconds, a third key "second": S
{"hour": 7, "minute": 48, "second": 17}
